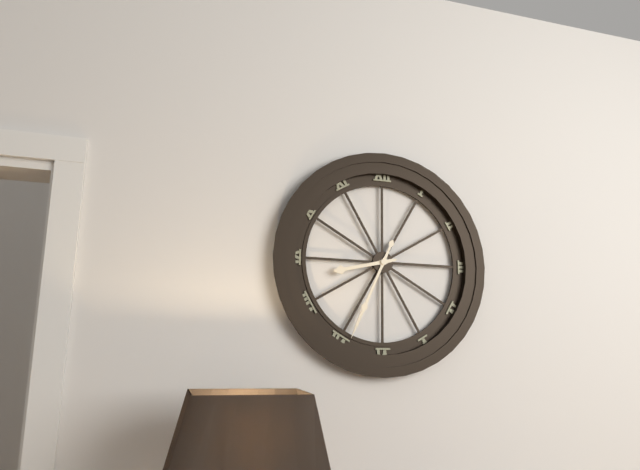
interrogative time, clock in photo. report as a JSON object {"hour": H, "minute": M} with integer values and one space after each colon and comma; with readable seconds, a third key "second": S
{"hour": 8, "minute": 34}
